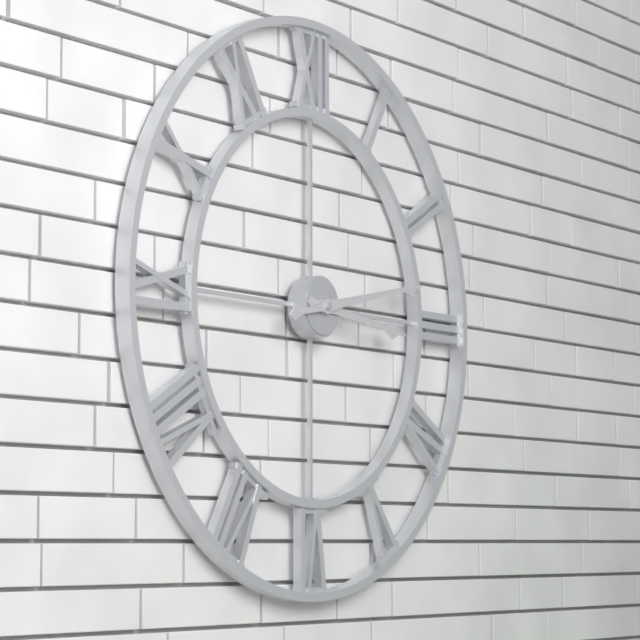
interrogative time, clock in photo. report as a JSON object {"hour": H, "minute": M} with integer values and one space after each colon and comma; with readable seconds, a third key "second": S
{"hour": 3, "minute": 13}
